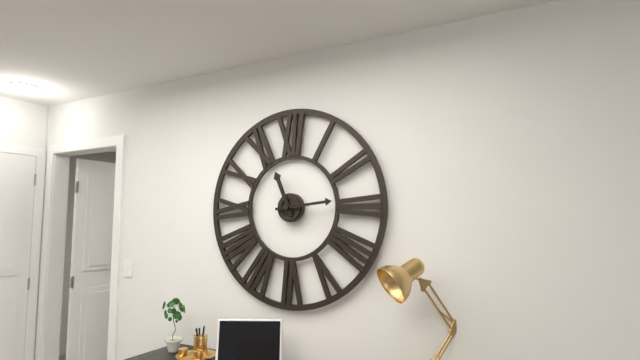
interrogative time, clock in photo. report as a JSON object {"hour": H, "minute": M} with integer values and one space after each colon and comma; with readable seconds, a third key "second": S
{"hour": 11, "minute": 14}
